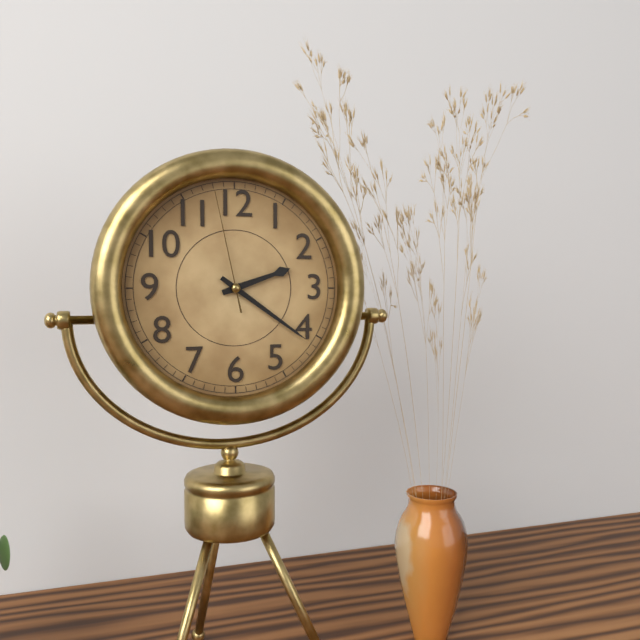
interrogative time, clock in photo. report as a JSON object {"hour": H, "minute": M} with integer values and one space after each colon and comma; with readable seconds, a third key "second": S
{"hour": 2, "minute": 21, "second": 58}
